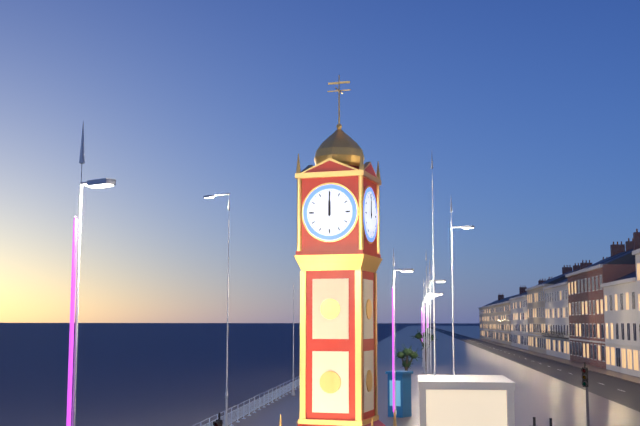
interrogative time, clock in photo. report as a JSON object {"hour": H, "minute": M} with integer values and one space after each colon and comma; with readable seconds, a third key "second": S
{"hour": 12, "minute": 0}
